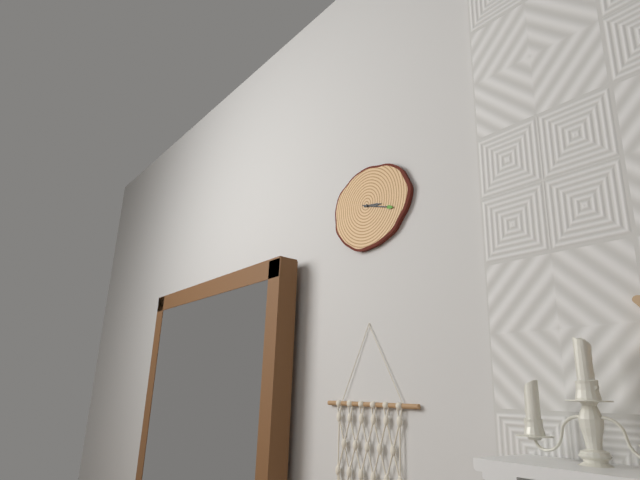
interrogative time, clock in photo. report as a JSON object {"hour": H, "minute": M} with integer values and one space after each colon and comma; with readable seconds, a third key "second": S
{"hour": 3, "minute": 18}
